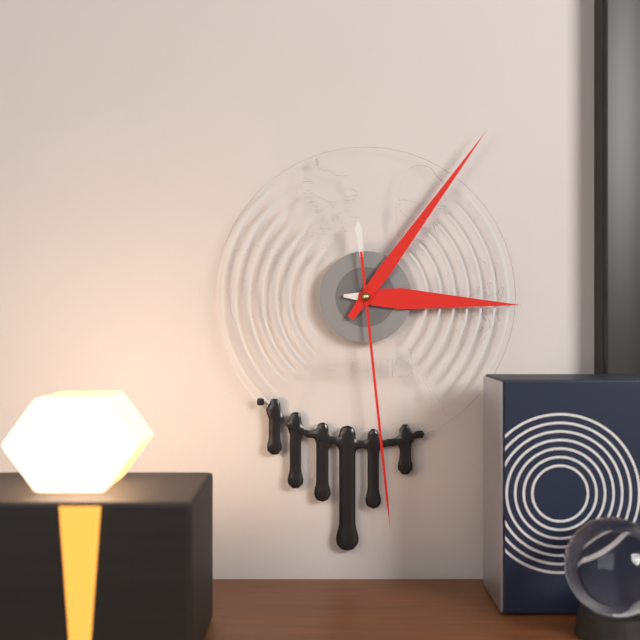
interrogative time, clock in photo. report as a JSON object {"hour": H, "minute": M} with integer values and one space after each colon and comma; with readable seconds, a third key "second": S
{"hour": 3, "minute": 6, "second": 29}
